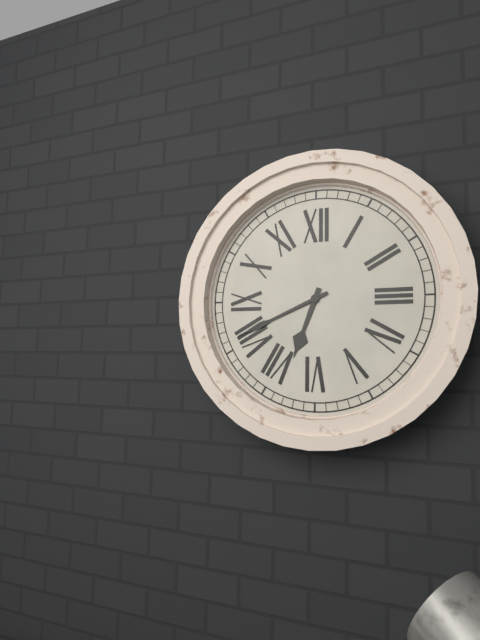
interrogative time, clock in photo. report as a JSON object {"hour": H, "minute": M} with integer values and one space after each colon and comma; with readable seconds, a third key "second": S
{"hour": 6, "minute": 41}
